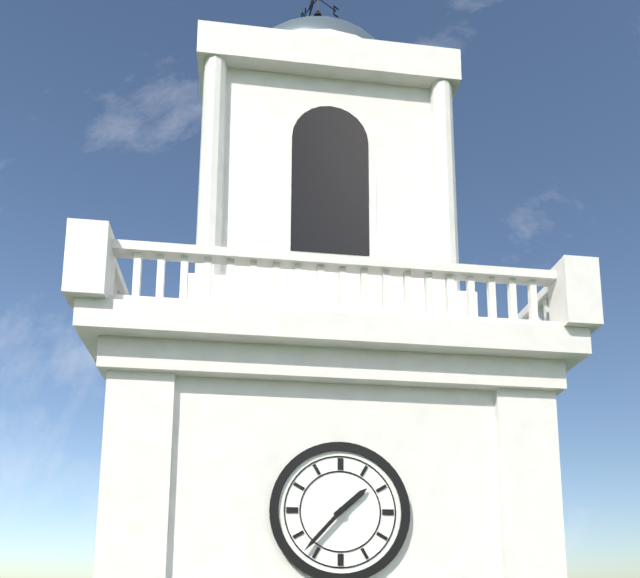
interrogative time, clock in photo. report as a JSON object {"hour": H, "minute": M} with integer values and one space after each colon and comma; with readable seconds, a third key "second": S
{"hour": 1, "minute": 37}
